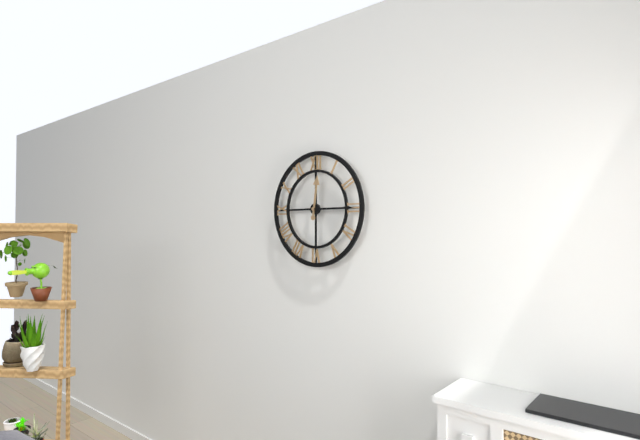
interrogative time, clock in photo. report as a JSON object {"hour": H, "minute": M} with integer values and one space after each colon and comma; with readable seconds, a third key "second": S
{"hour": 12, "minute": 15}
